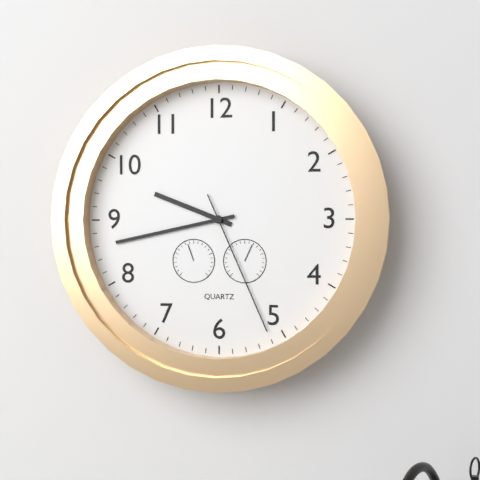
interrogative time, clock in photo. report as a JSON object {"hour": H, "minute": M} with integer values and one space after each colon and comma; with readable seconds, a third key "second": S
{"hour": 9, "minute": 43, "second": 26}
